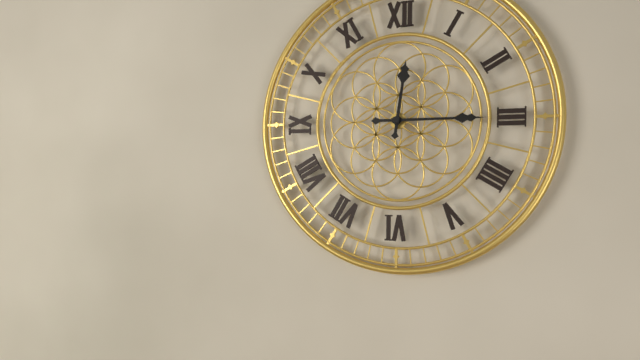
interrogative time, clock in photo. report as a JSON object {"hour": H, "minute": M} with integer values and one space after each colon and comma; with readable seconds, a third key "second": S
{"hour": 12, "minute": 15}
